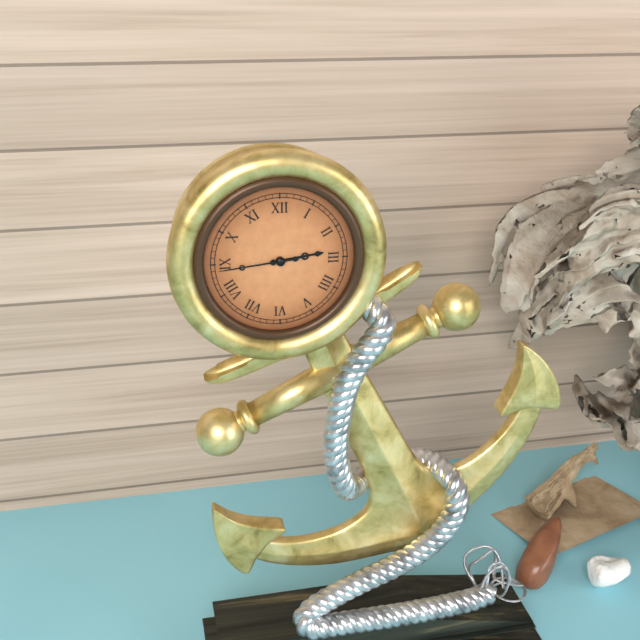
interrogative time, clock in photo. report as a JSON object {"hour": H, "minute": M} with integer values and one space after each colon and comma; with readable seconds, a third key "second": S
{"hour": 2, "minute": 44}
